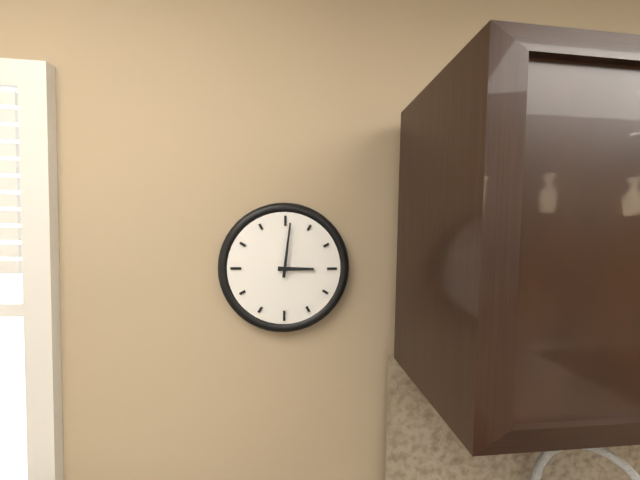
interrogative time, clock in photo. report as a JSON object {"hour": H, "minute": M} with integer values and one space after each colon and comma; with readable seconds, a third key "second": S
{"hour": 3, "minute": 1}
